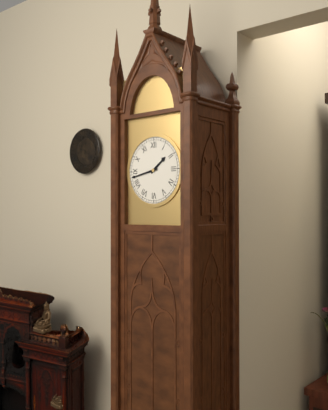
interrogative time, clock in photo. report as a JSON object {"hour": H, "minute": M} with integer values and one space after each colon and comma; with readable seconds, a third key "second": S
{"hour": 1, "minute": 43}
